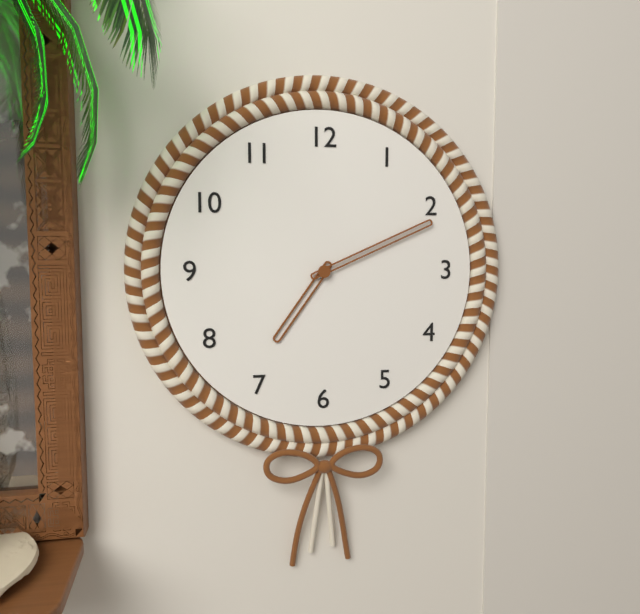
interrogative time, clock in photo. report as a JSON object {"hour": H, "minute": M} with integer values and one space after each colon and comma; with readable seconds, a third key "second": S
{"hour": 7, "minute": 11}
